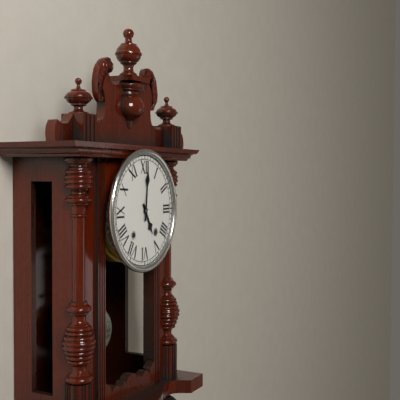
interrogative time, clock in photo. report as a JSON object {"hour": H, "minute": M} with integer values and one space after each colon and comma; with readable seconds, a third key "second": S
{"hour": 5, "minute": 1}
